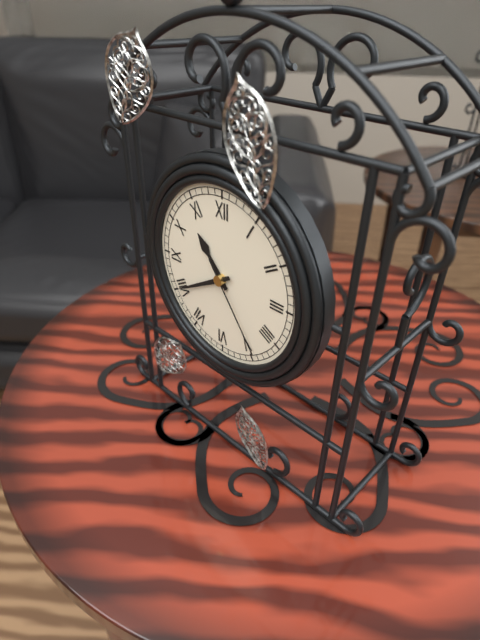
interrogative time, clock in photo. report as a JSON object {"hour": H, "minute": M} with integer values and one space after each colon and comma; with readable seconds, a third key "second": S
{"hour": 10, "minute": 40, "second": 24}
